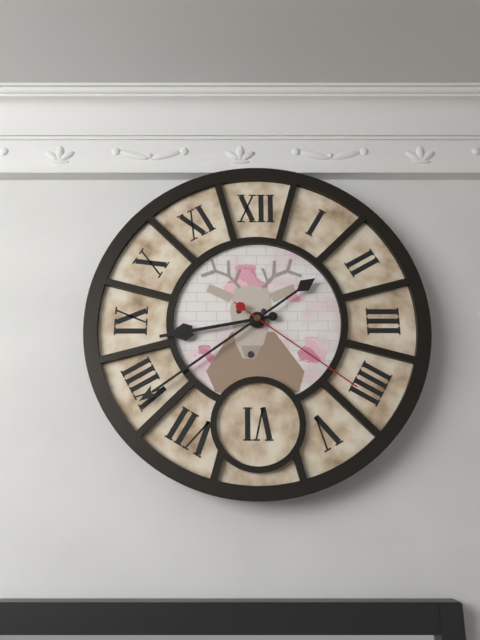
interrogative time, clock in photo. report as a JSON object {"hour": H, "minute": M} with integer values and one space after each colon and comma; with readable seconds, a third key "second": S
{"hour": 8, "minute": 39, "second": 21}
